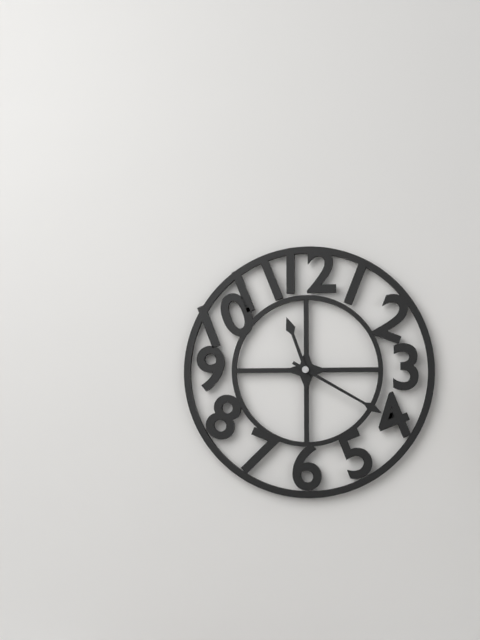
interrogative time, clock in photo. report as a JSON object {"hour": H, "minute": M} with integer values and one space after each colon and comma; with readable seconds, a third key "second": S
{"hour": 11, "minute": 20}
